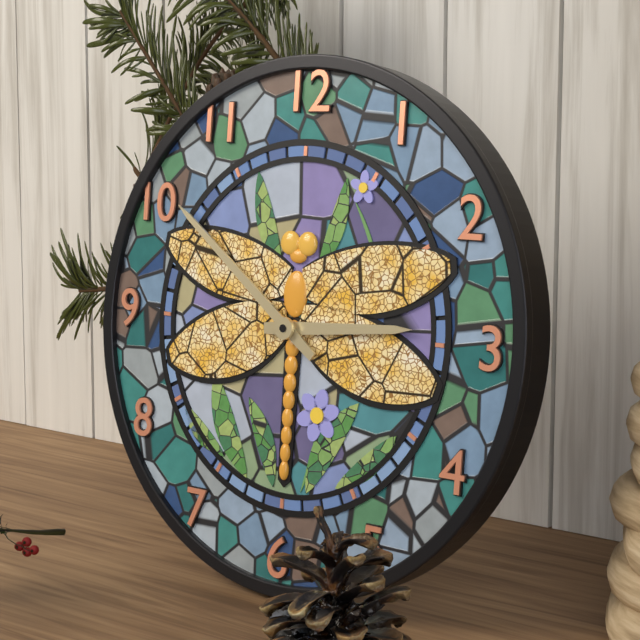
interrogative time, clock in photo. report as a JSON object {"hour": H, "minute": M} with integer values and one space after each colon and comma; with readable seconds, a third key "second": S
{"hour": 2, "minute": 51}
